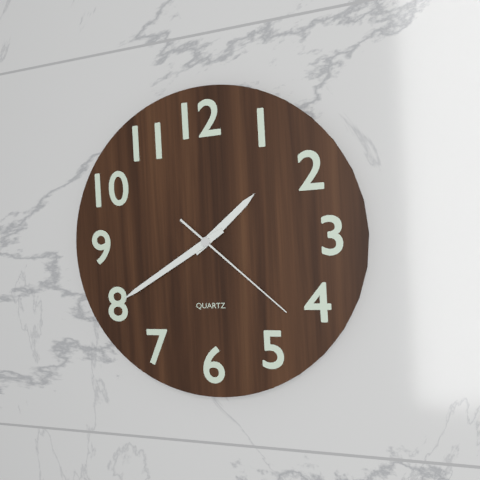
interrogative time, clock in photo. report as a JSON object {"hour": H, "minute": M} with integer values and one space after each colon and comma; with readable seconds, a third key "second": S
{"hour": 1, "minute": 40, "second": 22}
